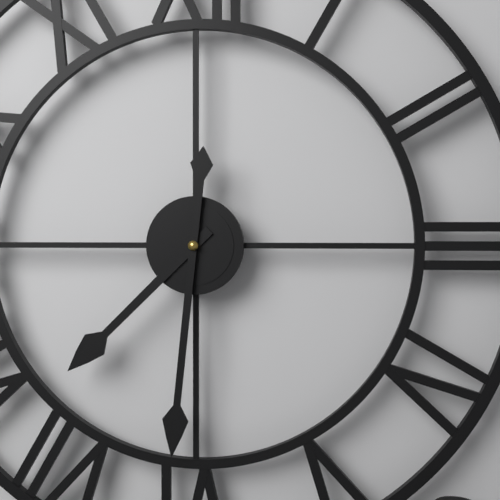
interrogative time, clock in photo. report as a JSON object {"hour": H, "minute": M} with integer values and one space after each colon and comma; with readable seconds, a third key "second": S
{"hour": 7, "minute": 31}
